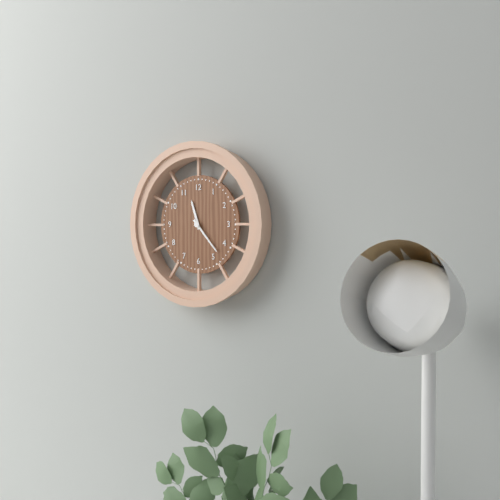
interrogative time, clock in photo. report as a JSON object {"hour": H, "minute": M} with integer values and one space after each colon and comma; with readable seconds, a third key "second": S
{"hour": 11, "minute": 23}
